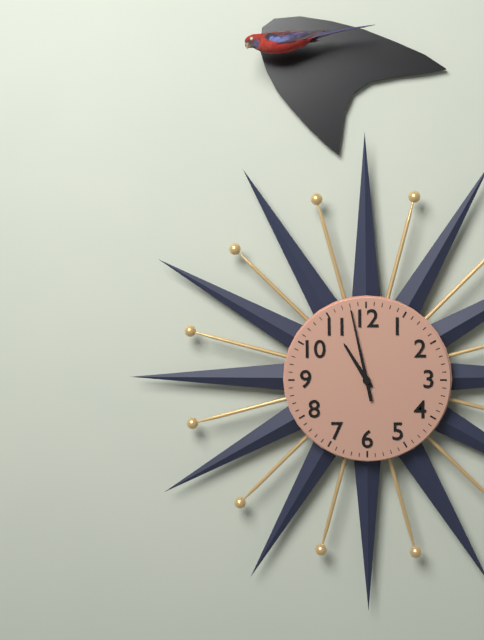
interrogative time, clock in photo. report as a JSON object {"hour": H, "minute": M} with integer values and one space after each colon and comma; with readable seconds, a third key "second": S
{"hour": 10, "minute": 58}
